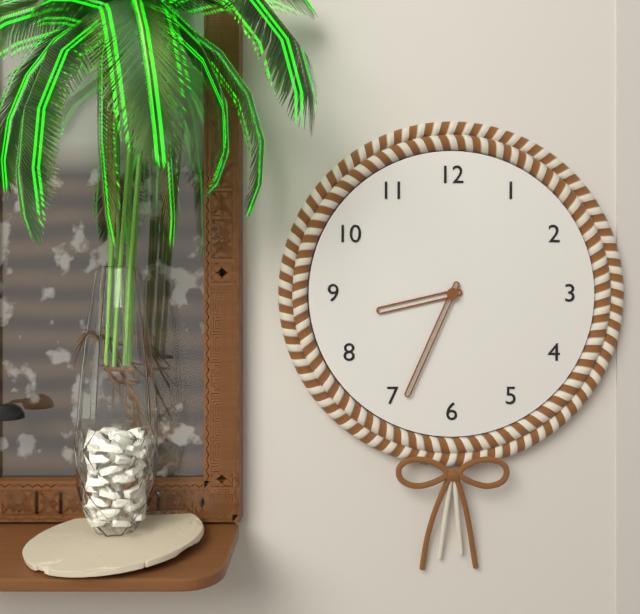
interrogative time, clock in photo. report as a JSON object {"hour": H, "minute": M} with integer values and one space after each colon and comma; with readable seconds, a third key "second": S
{"hour": 8, "minute": 34}
